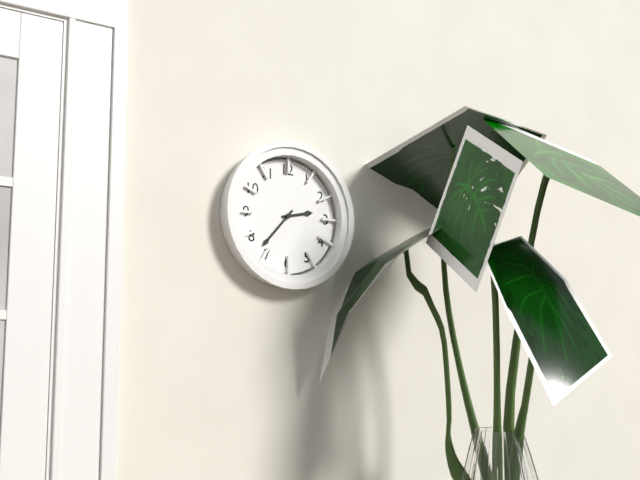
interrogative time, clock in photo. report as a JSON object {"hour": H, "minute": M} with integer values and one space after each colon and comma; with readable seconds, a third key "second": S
{"hour": 2, "minute": 37}
